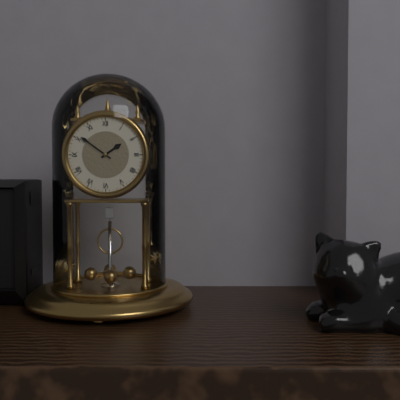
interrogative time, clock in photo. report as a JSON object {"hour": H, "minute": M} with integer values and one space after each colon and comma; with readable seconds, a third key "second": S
{"hour": 1, "minute": 51}
